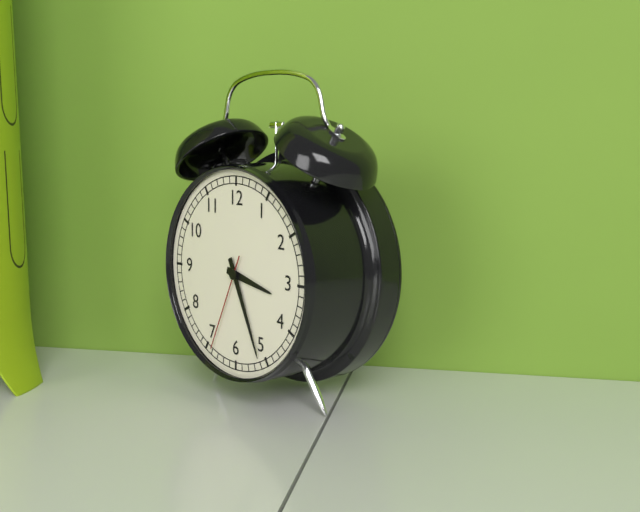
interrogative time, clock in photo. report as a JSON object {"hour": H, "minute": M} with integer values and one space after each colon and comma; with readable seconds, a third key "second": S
{"hour": 3, "minute": 26, "second": 34}
